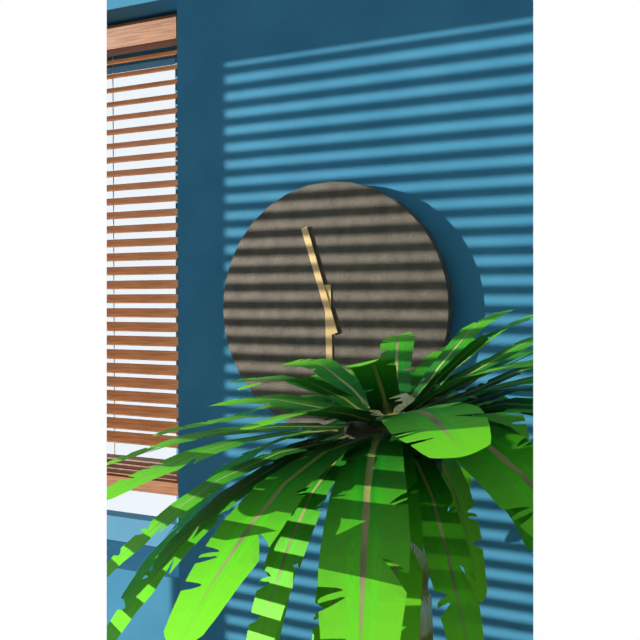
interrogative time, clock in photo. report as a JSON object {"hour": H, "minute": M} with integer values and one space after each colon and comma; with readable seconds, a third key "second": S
{"hour": 5, "minute": 57}
